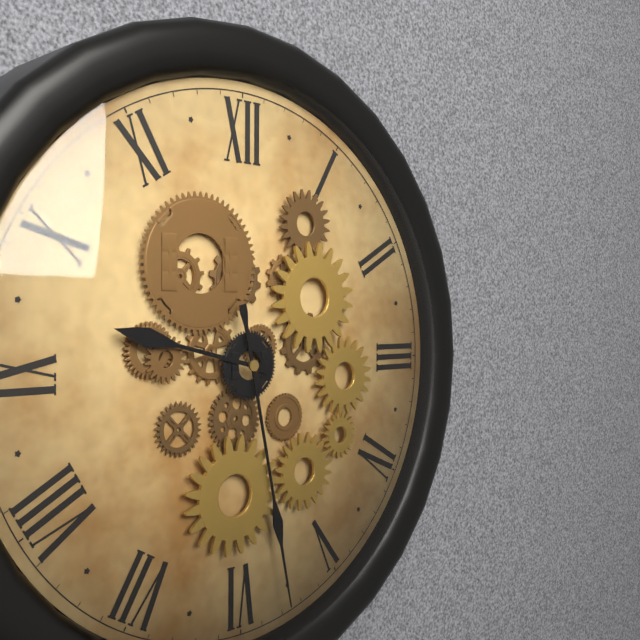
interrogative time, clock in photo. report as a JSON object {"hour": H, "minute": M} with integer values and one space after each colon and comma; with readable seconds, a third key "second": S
{"hour": 9, "minute": 28}
